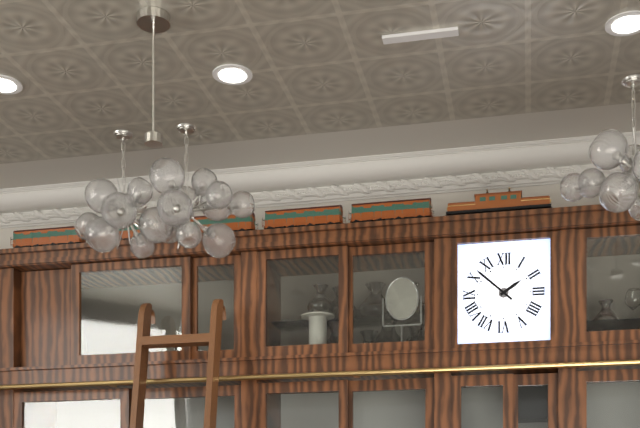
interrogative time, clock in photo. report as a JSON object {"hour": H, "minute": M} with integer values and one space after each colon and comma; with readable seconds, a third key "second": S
{"hour": 1, "minute": 52}
